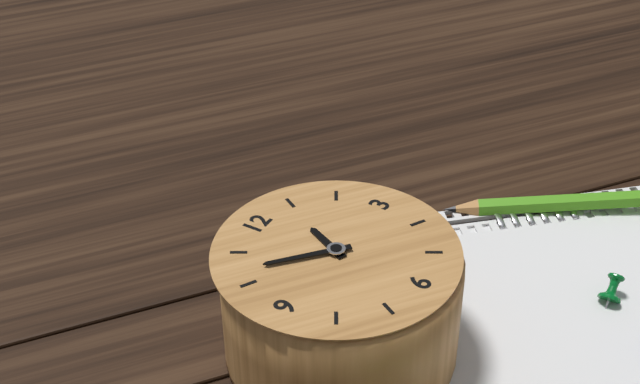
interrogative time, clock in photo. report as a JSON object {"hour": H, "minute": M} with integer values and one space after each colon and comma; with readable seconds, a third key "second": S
{"hour": 12, "minute": 52}
